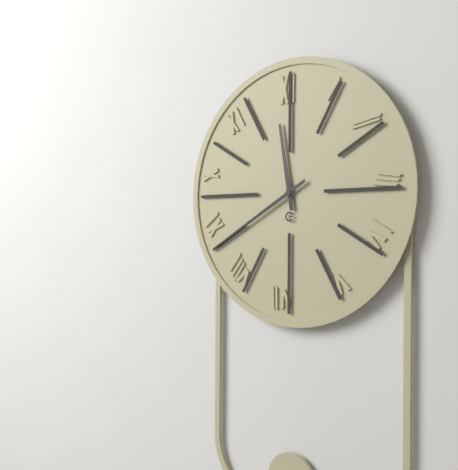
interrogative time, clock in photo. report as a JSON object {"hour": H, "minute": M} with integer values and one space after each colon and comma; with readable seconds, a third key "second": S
{"hour": 11, "minute": 40}
